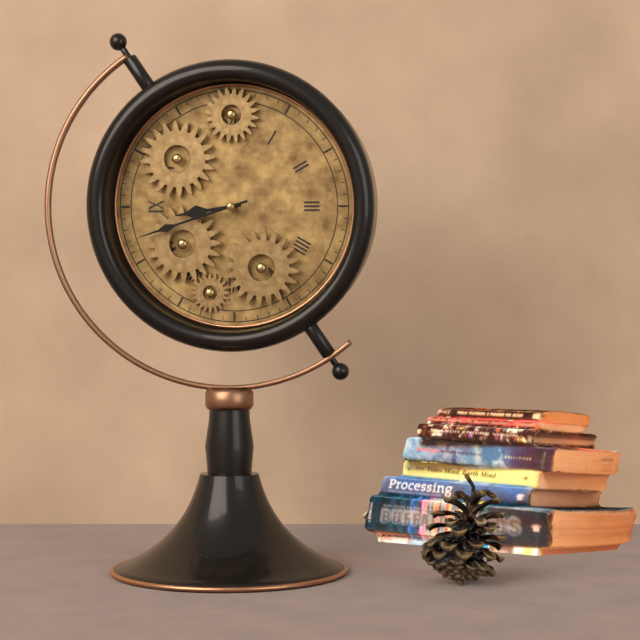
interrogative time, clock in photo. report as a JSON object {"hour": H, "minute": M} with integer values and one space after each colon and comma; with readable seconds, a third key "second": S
{"hour": 8, "minute": 42}
